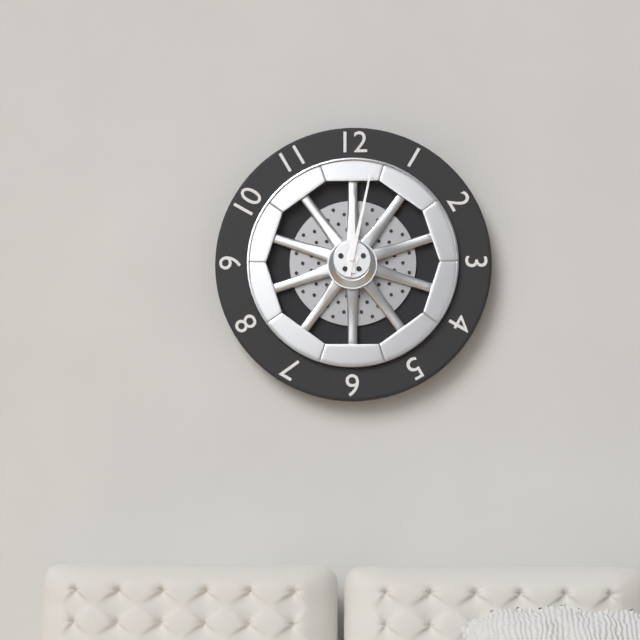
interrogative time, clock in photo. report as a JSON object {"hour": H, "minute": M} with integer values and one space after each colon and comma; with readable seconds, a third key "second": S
{"hour": 12, "minute": 2}
